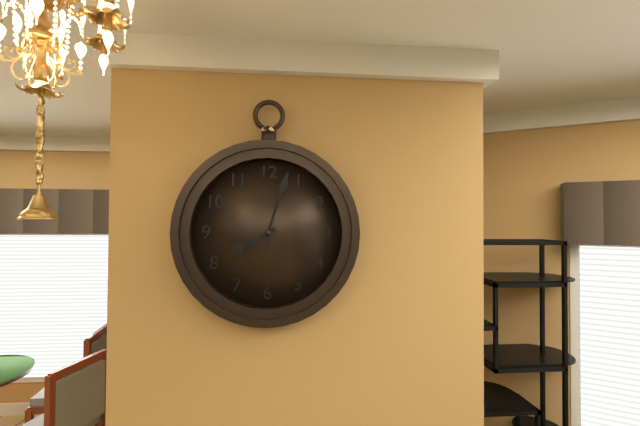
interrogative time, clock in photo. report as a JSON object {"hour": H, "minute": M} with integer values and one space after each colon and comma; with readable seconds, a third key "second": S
{"hour": 8, "minute": 3}
